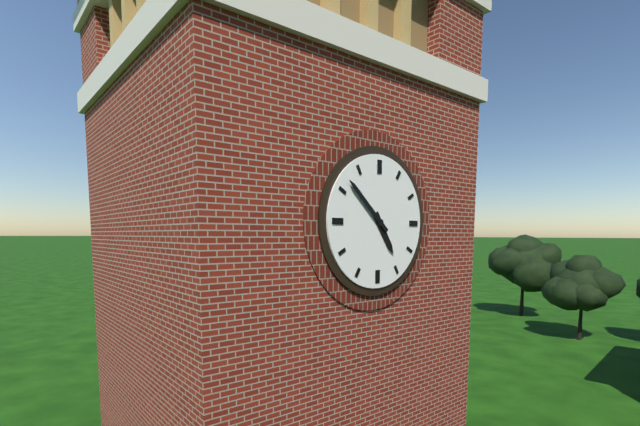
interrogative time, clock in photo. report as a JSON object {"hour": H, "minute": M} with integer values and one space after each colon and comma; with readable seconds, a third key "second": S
{"hour": 4, "minute": 52}
